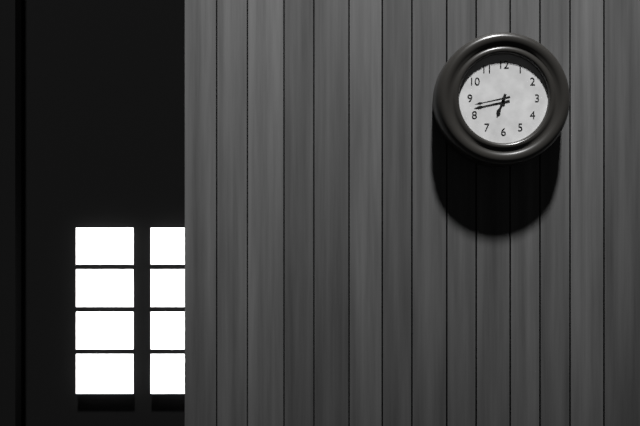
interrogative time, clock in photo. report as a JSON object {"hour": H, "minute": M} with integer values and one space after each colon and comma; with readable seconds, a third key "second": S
{"hour": 6, "minute": 43}
